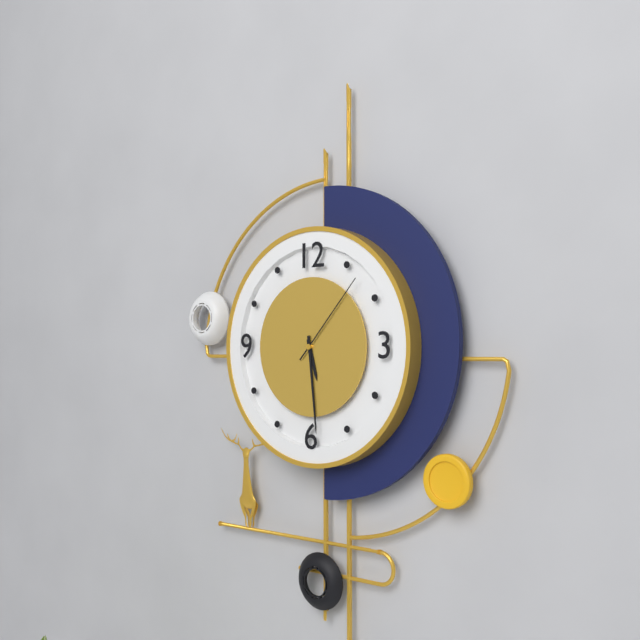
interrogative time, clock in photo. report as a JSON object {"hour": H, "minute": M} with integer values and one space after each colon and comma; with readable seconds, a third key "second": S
{"hour": 5, "minute": 29, "second": 7}
